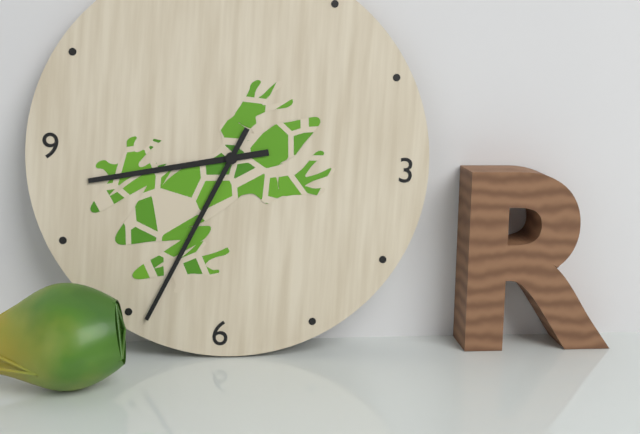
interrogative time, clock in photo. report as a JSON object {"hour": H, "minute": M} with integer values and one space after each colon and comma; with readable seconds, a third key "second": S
{"hour": 8, "minute": 34}
